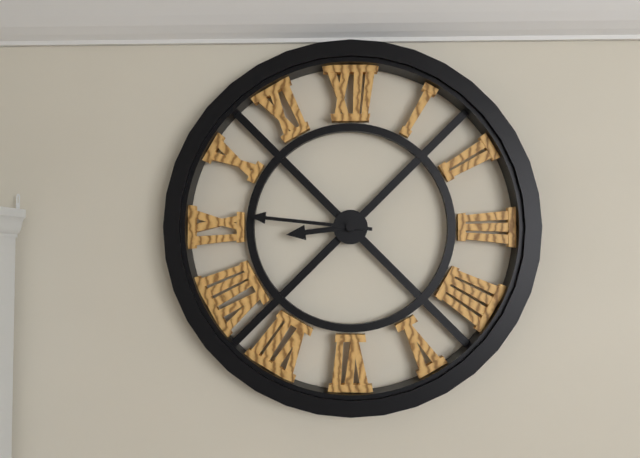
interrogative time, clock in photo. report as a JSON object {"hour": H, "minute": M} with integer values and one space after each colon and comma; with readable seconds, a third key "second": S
{"hour": 8, "minute": 46}
